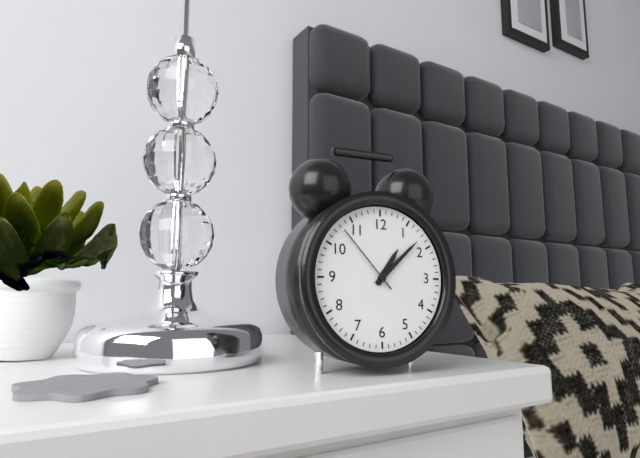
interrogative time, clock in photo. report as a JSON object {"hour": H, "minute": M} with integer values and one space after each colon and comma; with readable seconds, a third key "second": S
{"hour": 1, "minute": 8, "second": 53}
